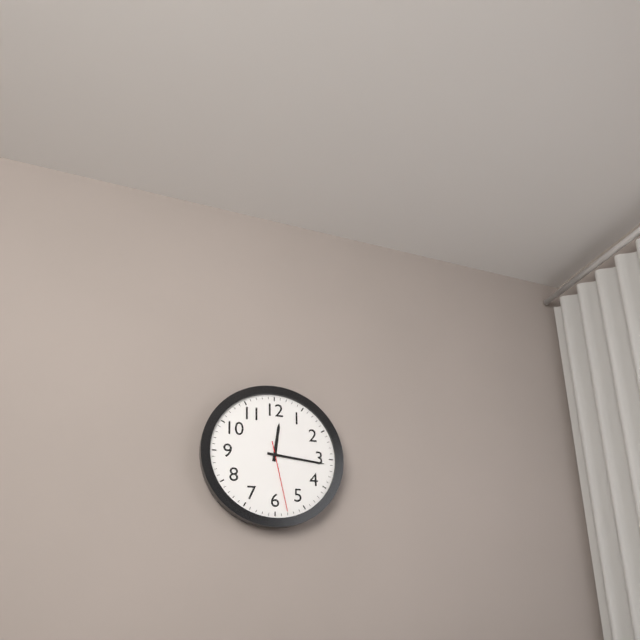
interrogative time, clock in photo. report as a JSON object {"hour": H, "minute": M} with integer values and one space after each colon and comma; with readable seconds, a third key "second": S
{"hour": 12, "minute": 16, "second": 28}
